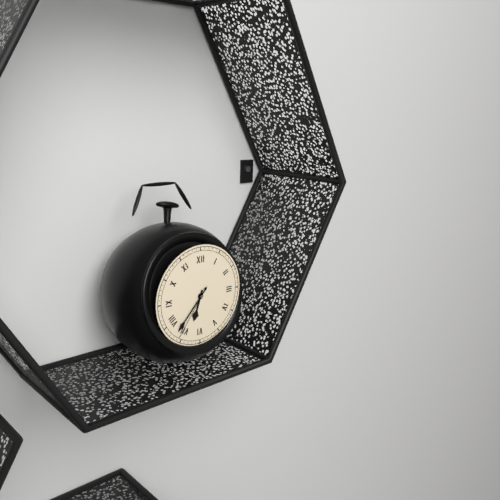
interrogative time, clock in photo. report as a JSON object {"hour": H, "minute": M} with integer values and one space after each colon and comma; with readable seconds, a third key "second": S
{"hour": 6, "minute": 37, "second": 36}
